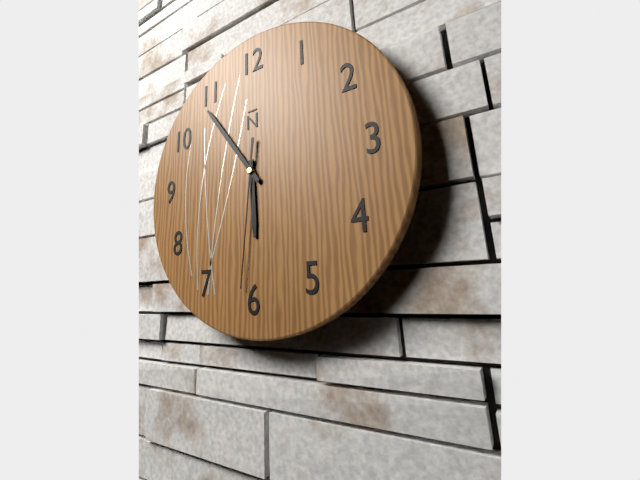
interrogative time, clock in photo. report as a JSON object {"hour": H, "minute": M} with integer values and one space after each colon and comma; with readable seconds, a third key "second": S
{"hour": 5, "minute": 54, "second": 31}
